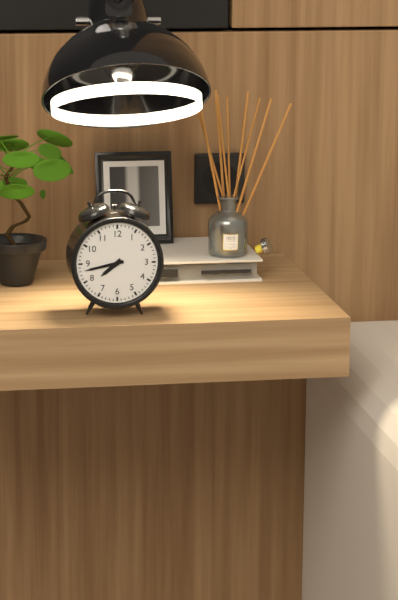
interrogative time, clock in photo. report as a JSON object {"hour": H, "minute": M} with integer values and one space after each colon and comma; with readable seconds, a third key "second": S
{"hour": 7, "minute": 43}
